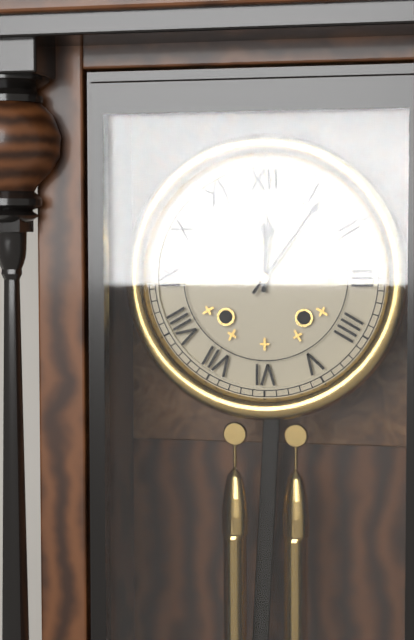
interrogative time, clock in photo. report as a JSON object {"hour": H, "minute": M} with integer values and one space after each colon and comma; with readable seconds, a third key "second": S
{"hour": 12, "minute": 6}
